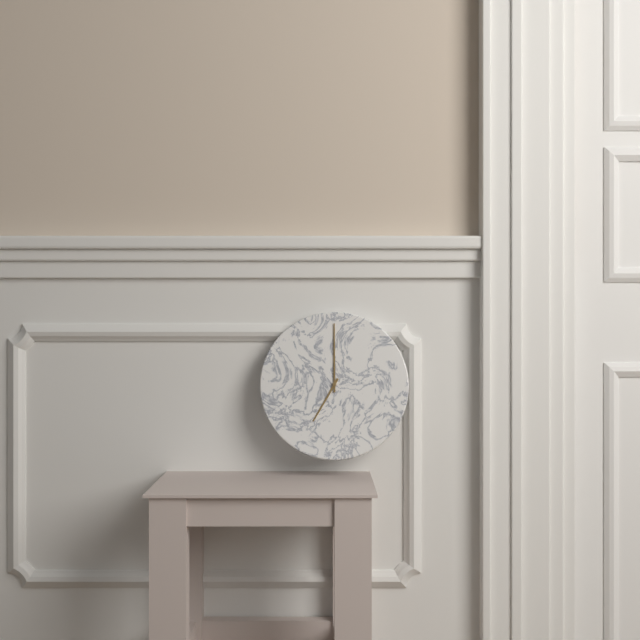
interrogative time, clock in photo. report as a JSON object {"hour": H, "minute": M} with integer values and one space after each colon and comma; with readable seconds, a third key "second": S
{"hour": 7, "minute": 0}
